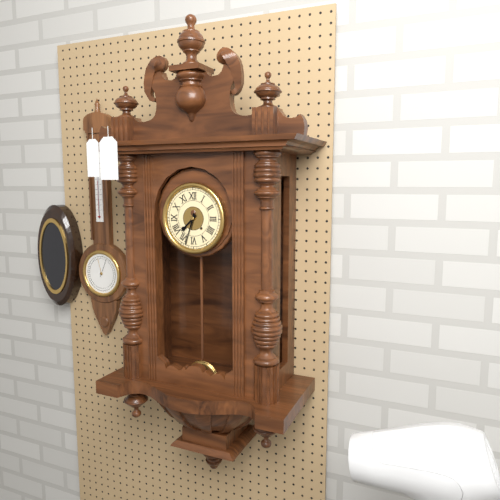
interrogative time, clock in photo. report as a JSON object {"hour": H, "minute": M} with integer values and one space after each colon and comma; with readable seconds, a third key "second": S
{"hour": 7, "minute": 33}
